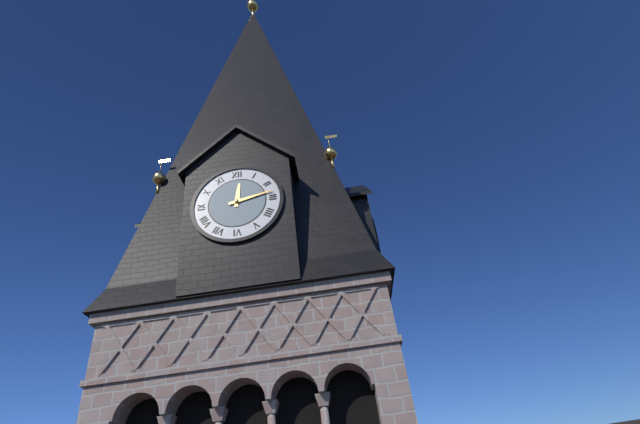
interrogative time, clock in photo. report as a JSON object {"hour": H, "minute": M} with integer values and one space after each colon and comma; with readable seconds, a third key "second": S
{"hour": 12, "minute": 13}
